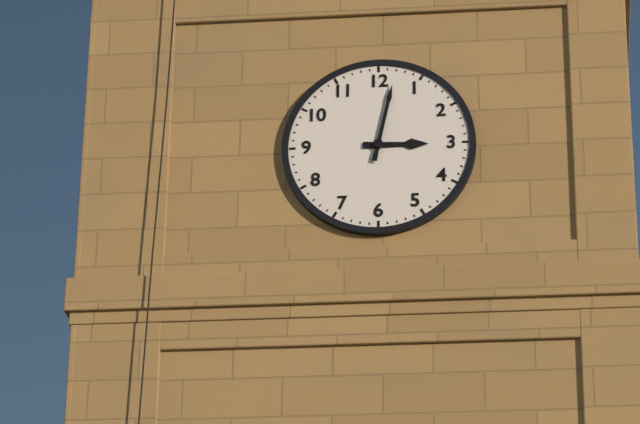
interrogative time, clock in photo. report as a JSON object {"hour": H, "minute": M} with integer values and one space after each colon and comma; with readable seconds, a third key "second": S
{"hour": 3, "minute": 2}
